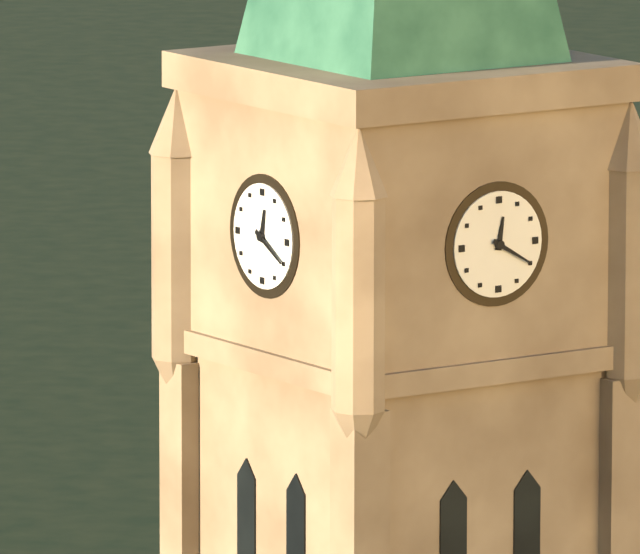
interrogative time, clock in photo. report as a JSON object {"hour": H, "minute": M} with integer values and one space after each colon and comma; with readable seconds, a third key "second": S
{"hour": 12, "minute": 20}
